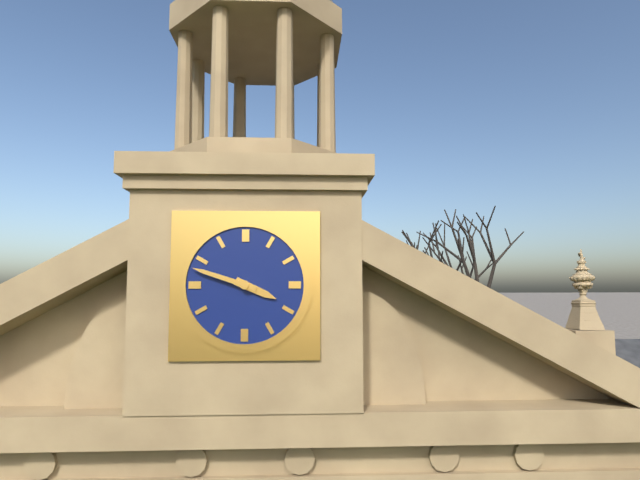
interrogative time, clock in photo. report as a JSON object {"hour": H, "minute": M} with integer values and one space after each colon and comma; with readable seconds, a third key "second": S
{"hour": 3, "minute": 48}
